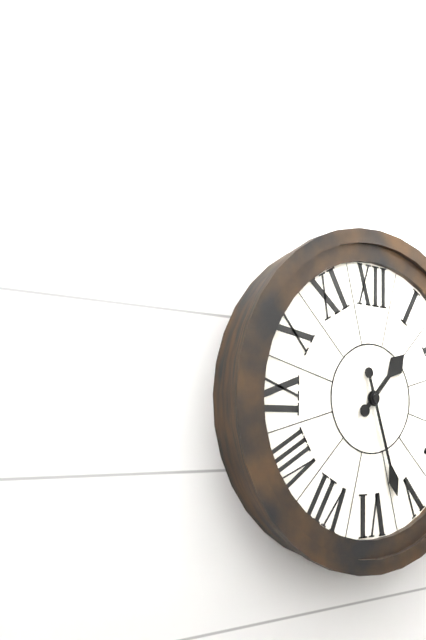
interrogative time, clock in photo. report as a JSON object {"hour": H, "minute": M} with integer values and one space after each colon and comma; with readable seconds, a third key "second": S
{"hour": 1, "minute": 27}
